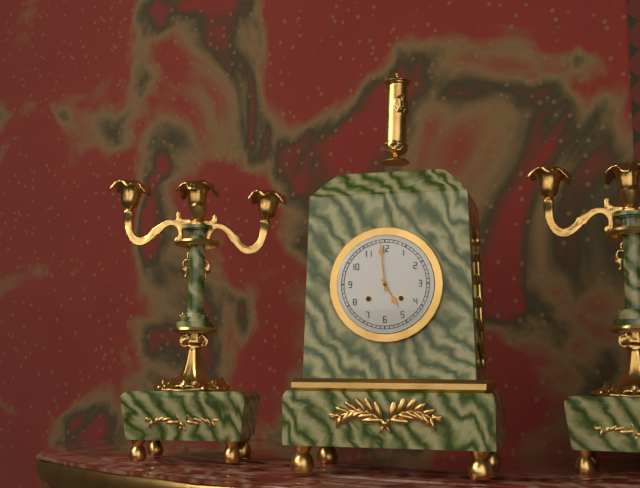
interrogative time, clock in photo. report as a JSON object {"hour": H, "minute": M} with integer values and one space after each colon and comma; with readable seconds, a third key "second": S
{"hour": 4, "minute": 59}
